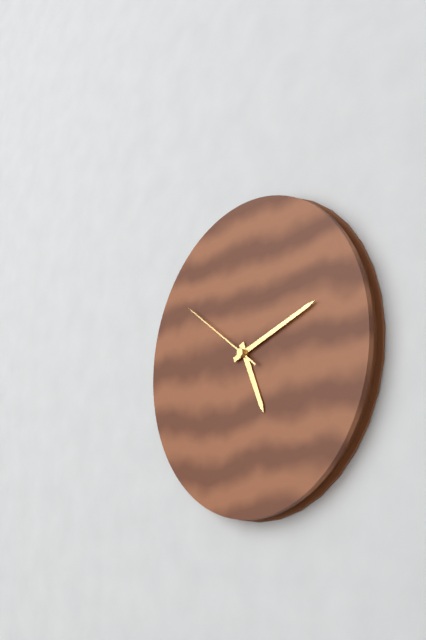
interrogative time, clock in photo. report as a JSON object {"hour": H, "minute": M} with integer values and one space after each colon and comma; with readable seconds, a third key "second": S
{"hour": 5, "minute": 12, "second": 51}
